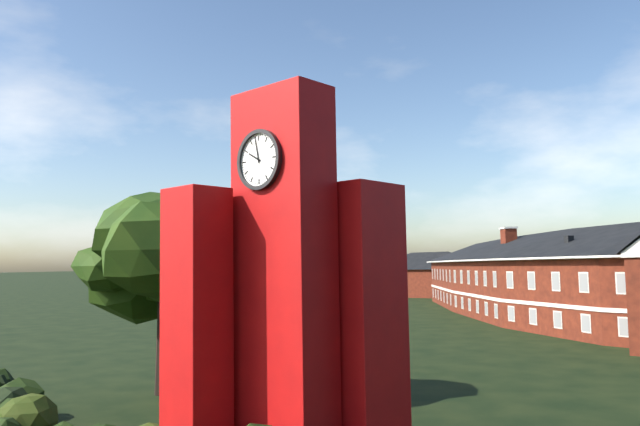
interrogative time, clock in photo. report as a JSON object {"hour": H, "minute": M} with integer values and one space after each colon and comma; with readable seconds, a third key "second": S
{"hour": 9, "minute": 58}
